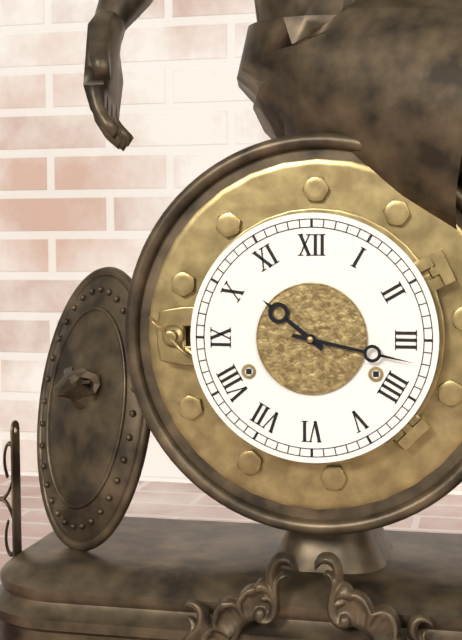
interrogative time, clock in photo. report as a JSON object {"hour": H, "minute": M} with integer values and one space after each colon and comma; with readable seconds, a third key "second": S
{"hour": 10, "minute": 17}
